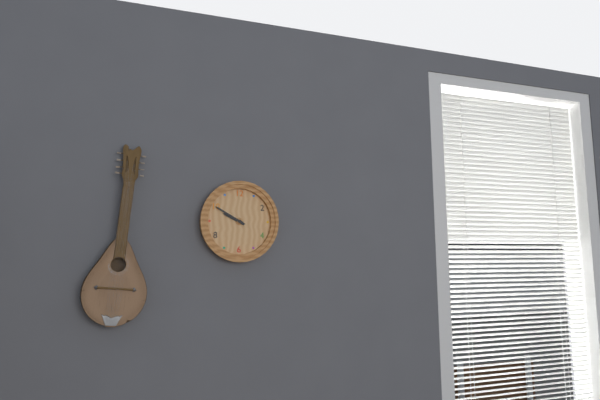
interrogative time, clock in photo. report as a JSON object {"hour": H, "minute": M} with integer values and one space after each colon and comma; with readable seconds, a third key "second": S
{"hour": 9, "minute": 50}
